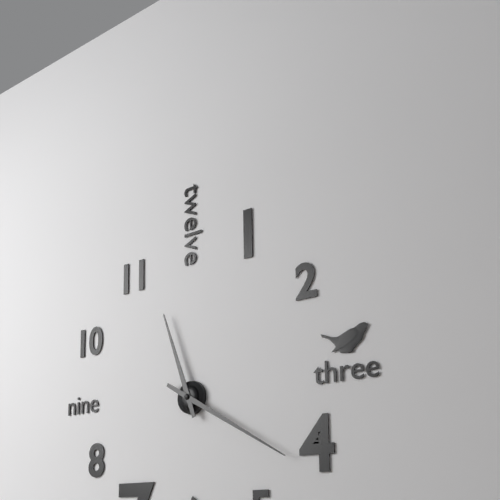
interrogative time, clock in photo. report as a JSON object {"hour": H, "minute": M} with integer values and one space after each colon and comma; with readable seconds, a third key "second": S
{"hour": 11, "minute": 20}
